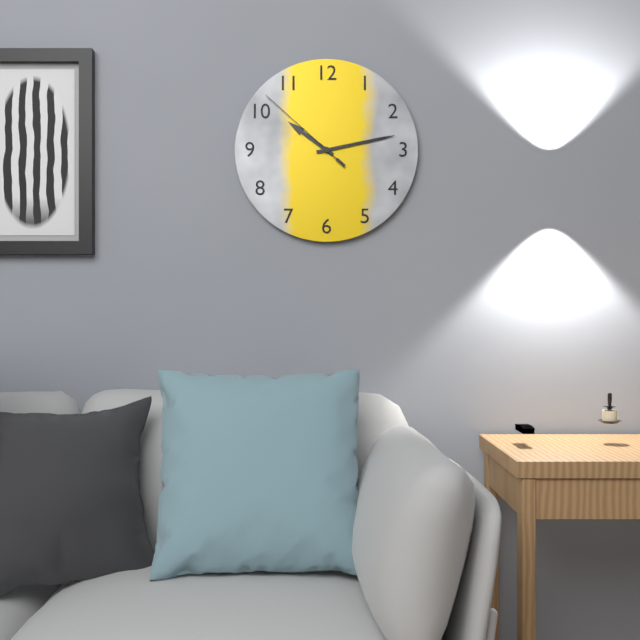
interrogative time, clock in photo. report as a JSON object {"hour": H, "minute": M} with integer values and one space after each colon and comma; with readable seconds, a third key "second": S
{"hour": 10, "minute": 13, "second": 52}
